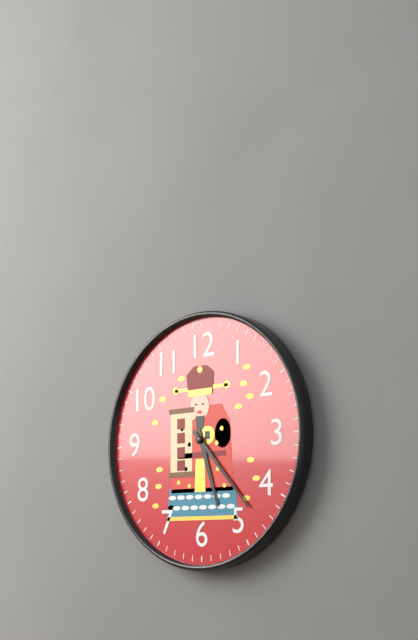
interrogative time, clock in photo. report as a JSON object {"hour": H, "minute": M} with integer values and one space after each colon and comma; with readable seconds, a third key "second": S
{"hour": 5, "minute": 23}
